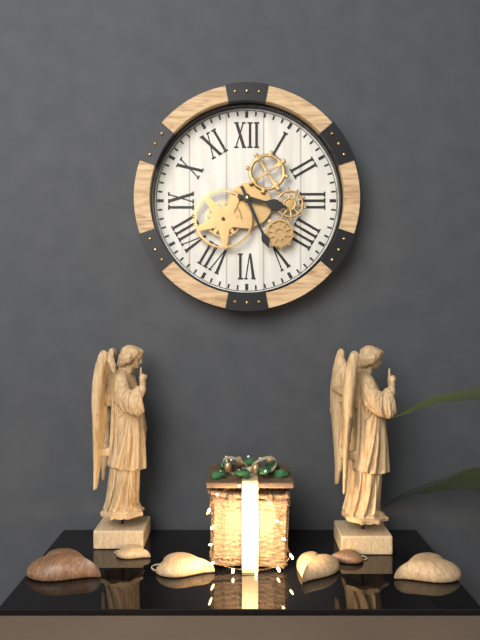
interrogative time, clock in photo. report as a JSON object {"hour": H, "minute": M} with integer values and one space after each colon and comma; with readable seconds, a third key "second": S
{"hour": 3, "minute": 26}
